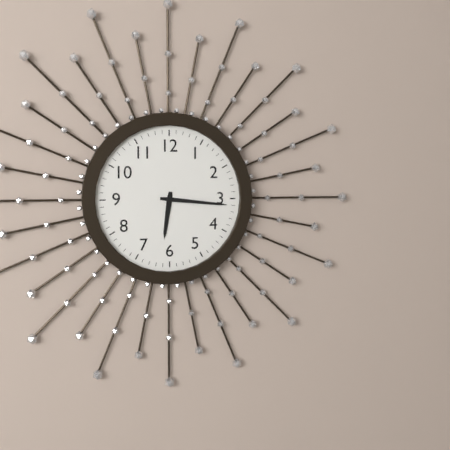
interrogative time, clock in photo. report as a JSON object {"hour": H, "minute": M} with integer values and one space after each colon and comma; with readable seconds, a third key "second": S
{"hour": 6, "minute": 16}
